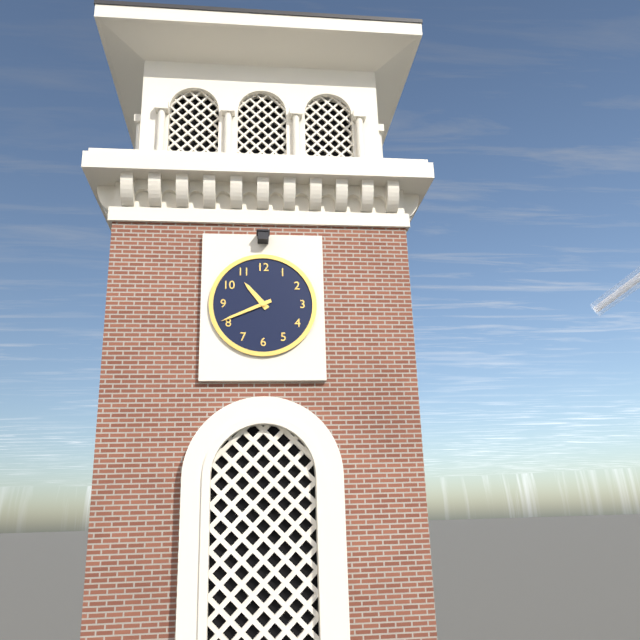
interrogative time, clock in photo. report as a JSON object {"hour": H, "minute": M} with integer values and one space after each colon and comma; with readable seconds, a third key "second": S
{"hour": 10, "minute": 41}
